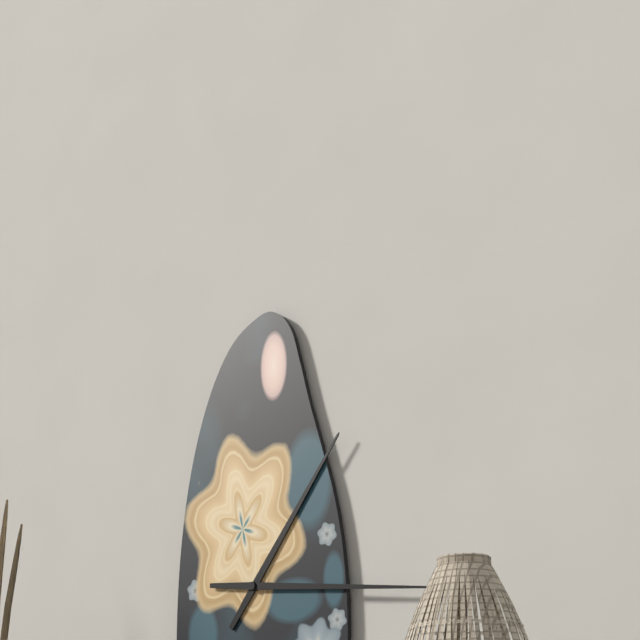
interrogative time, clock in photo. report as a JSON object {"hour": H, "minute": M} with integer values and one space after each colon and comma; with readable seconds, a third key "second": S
{"hour": 1, "minute": 16}
